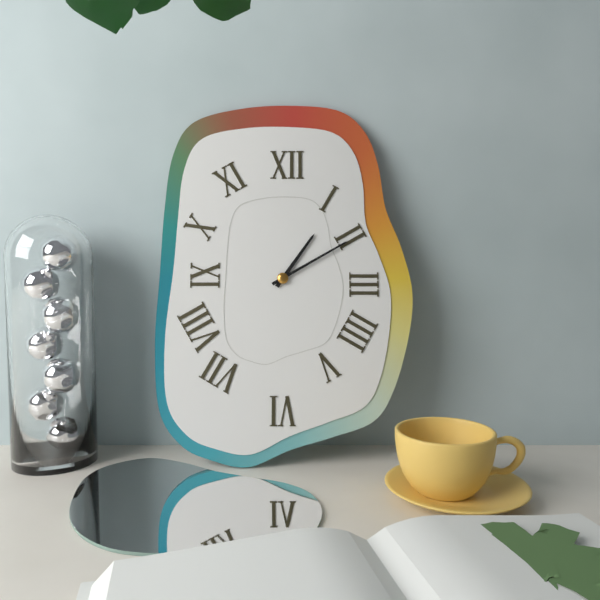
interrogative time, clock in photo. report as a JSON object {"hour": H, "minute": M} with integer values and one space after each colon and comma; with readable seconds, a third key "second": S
{"hour": 1, "minute": 10}
